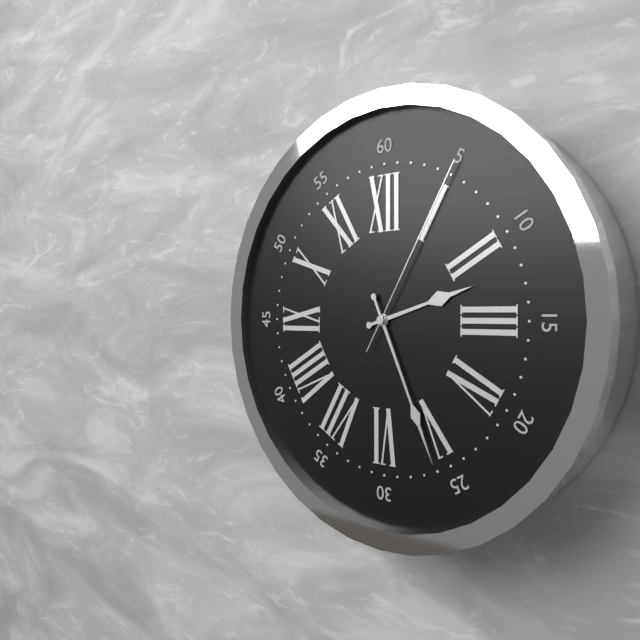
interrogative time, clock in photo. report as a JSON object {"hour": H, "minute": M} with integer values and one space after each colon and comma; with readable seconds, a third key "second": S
{"hour": 2, "minute": 26, "second": 5}
